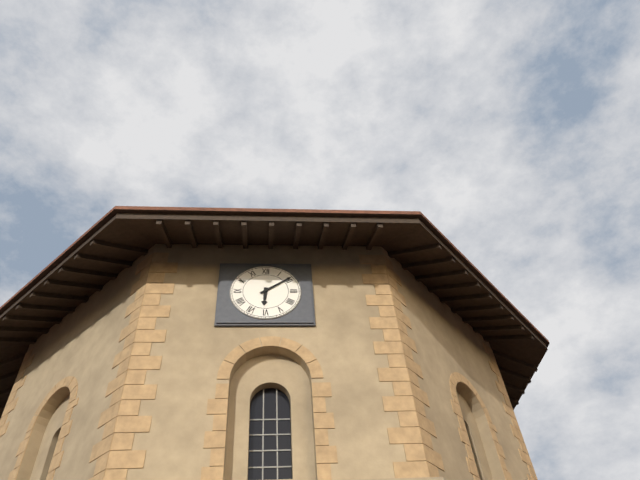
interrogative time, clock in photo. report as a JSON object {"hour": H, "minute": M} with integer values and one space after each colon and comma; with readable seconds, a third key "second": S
{"hour": 6, "minute": 9}
